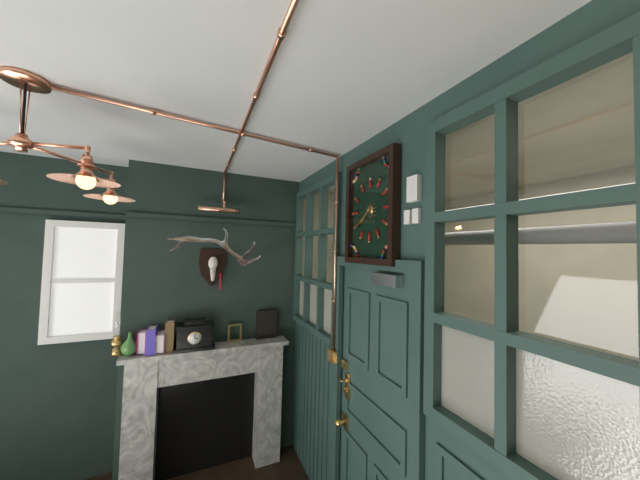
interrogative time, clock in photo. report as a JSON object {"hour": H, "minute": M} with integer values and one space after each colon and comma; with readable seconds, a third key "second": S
{"hour": 7, "minute": 39}
